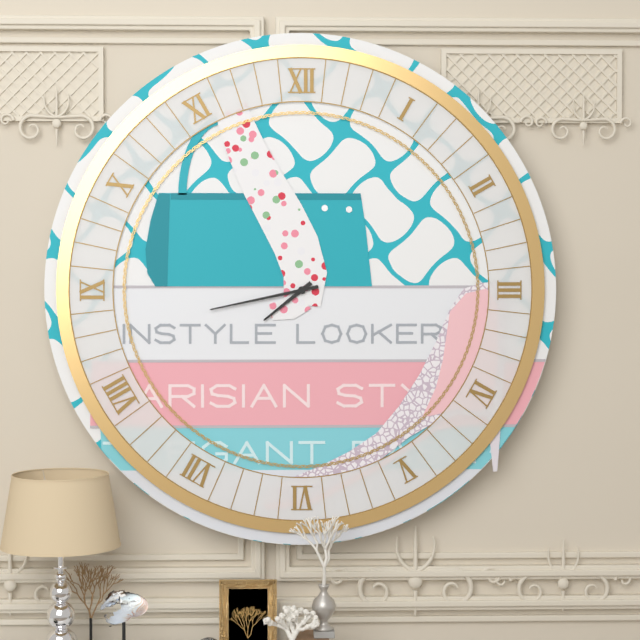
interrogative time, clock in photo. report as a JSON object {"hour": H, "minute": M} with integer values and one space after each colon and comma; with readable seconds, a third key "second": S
{"hour": 7, "minute": 43}
